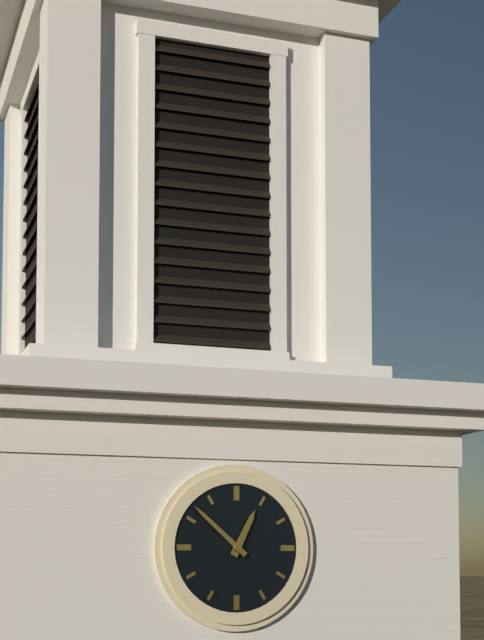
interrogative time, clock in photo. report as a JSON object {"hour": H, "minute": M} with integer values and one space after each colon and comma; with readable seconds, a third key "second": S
{"hour": 12, "minute": 52}
